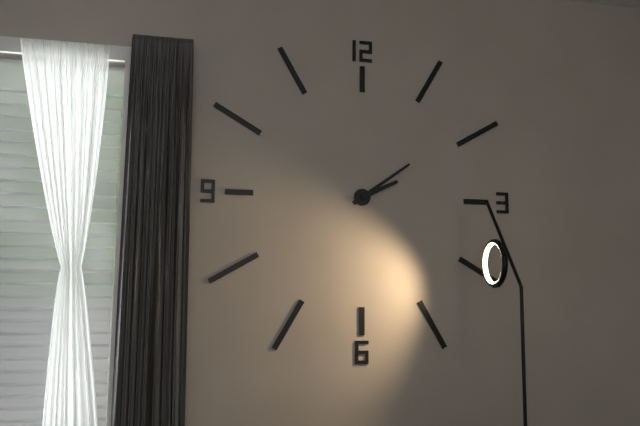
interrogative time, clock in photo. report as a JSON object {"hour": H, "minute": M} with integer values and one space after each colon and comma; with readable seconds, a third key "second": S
{"hour": 2, "minute": 9}
